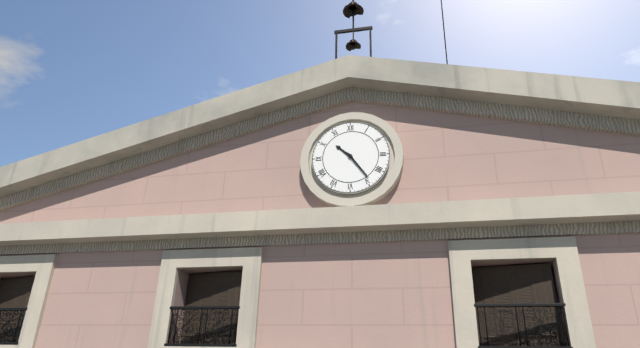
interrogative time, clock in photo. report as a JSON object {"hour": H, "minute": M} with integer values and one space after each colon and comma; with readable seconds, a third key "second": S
{"hour": 10, "minute": 24}
